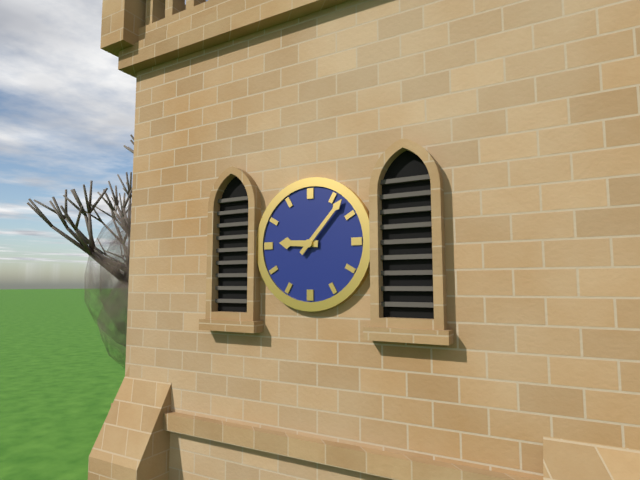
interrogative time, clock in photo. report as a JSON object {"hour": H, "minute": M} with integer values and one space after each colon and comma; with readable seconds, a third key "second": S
{"hour": 9, "minute": 7}
